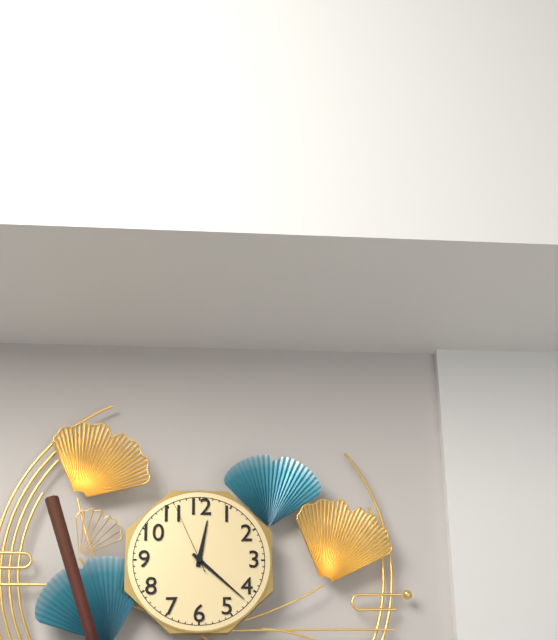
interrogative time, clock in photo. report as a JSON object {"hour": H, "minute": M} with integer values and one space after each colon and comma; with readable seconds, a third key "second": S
{"hour": 12, "minute": 22, "second": 56}
